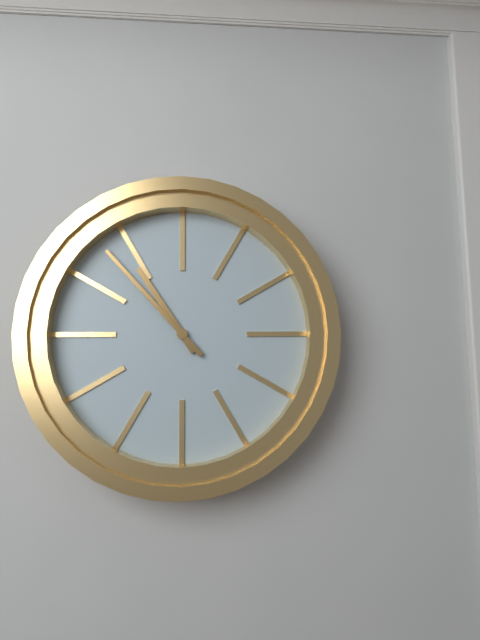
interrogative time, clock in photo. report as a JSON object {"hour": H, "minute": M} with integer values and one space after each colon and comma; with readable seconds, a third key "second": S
{"hour": 10, "minute": 53}
